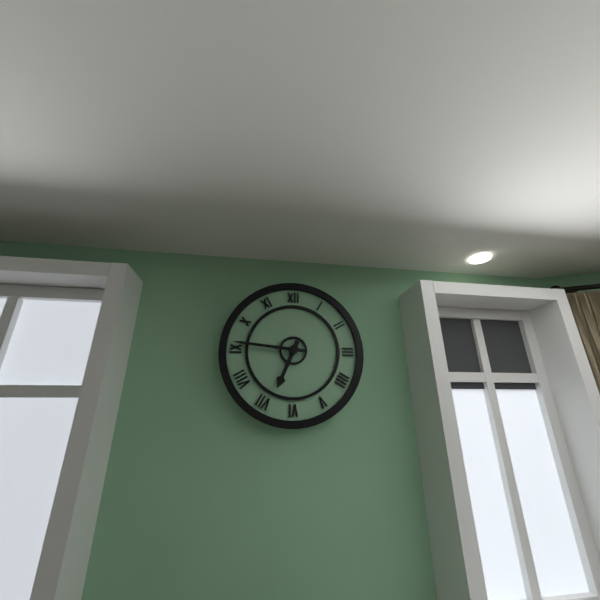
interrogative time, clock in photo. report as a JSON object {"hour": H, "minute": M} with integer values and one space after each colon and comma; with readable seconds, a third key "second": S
{"hour": 6, "minute": 46}
